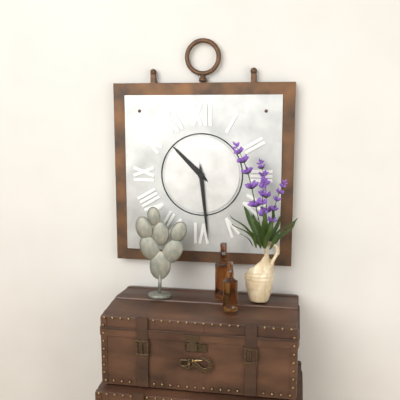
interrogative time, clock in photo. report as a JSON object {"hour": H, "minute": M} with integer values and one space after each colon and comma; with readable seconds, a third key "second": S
{"hour": 10, "minute": 29}
